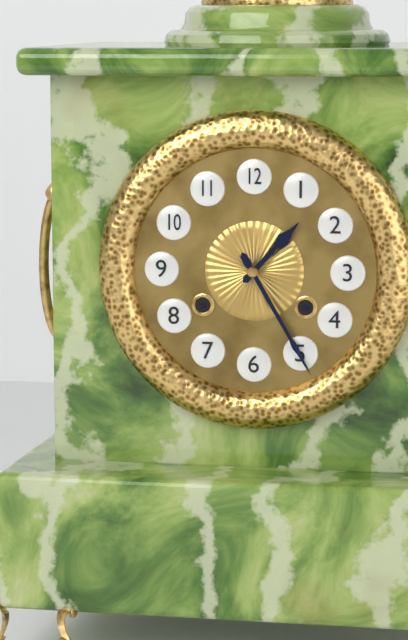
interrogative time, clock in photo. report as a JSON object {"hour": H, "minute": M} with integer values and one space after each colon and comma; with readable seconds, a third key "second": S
{"hour": 1, "minute": 25}
